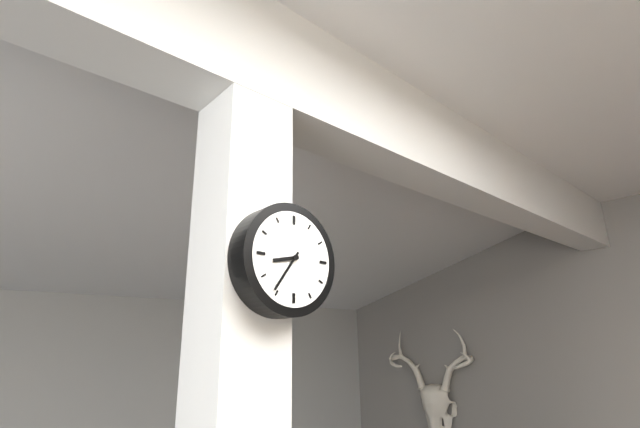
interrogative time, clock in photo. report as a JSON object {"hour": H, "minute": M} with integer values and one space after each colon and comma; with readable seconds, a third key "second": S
{"hour": 8, "minute": 36}
